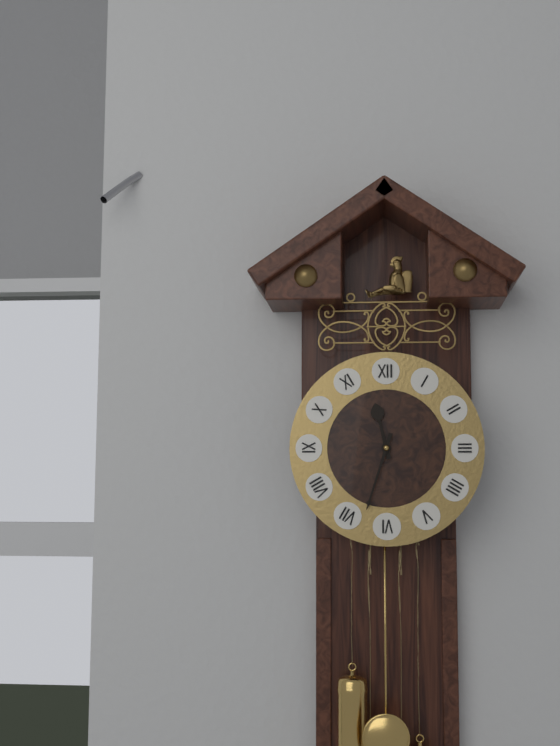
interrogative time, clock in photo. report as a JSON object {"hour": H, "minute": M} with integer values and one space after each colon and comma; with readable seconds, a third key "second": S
{"hour": 11, "minute": 33}
